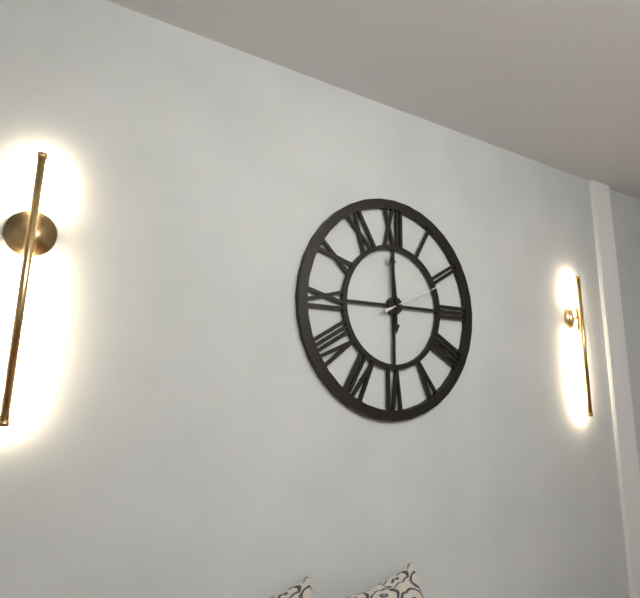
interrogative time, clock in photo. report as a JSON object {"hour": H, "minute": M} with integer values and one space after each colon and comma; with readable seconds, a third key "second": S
{"hour": 5, "minute": 59, "second": 11}
